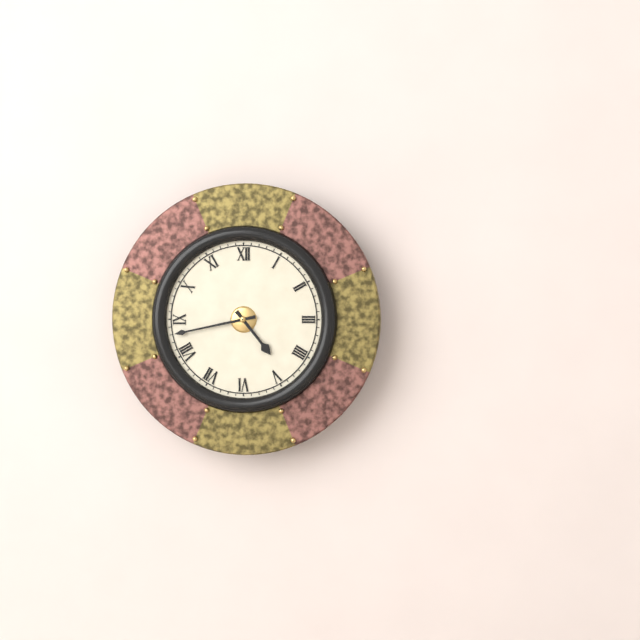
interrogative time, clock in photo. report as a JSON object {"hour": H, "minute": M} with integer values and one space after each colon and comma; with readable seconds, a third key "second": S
{"hour": 4, "minute": 43}
